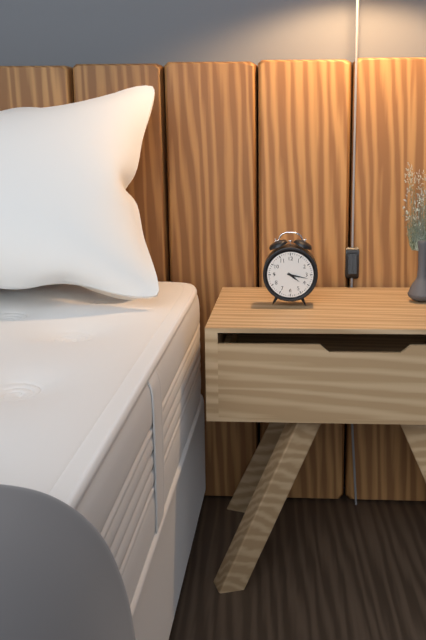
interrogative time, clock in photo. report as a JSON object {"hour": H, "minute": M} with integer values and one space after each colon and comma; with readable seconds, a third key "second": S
{"hour": 4, "minute": 17}
